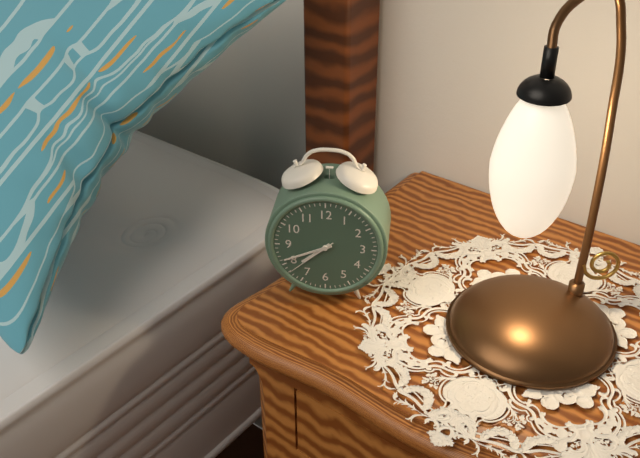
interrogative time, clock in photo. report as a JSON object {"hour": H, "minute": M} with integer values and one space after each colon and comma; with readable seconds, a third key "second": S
{"hour": 7, "minute": 41, "second": 38}
